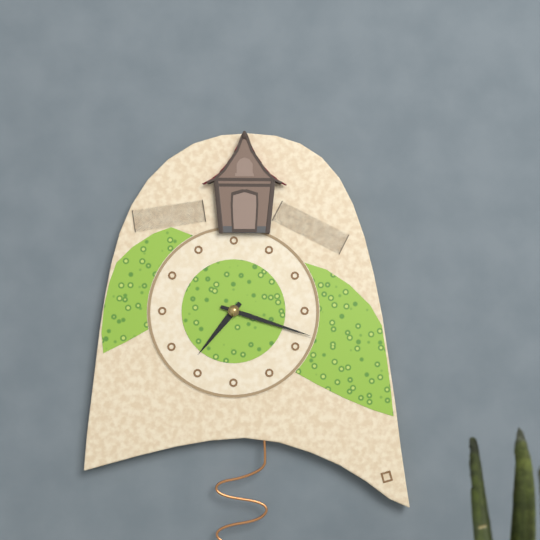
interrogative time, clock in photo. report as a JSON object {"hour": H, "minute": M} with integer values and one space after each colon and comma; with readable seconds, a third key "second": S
{"hour": 7, "minute": 18}
